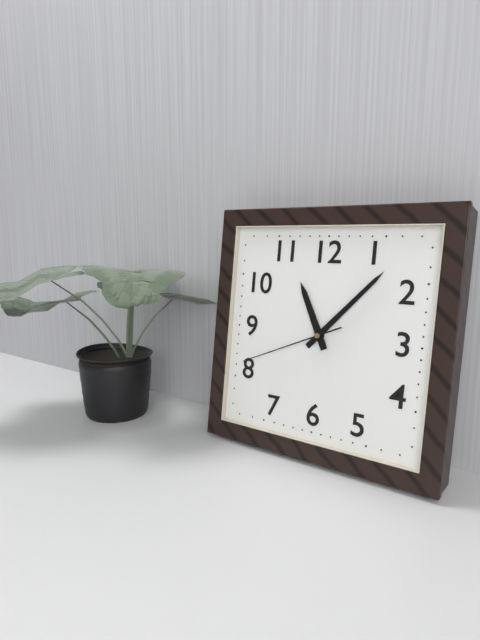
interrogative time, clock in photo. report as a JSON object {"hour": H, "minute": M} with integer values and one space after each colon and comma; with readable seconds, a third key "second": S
{"hour": 11, "minute": 7, "second": 41}
